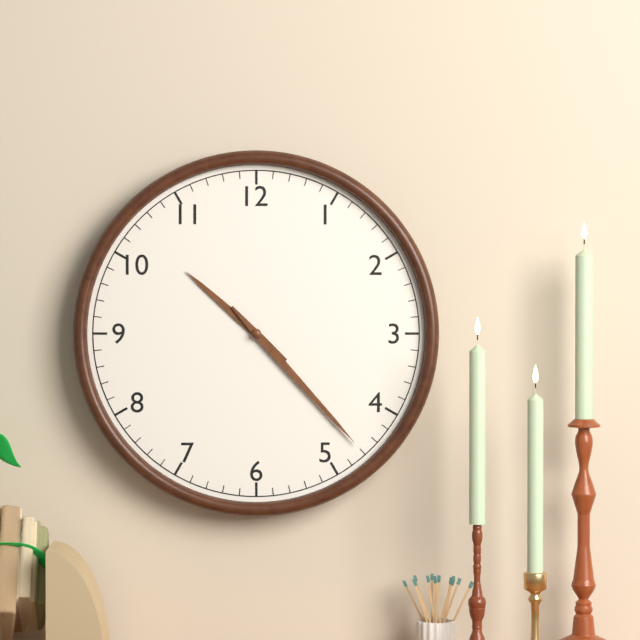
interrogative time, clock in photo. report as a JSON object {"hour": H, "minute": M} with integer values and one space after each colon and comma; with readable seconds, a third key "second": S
{"hour": 10, "minute": 23}
